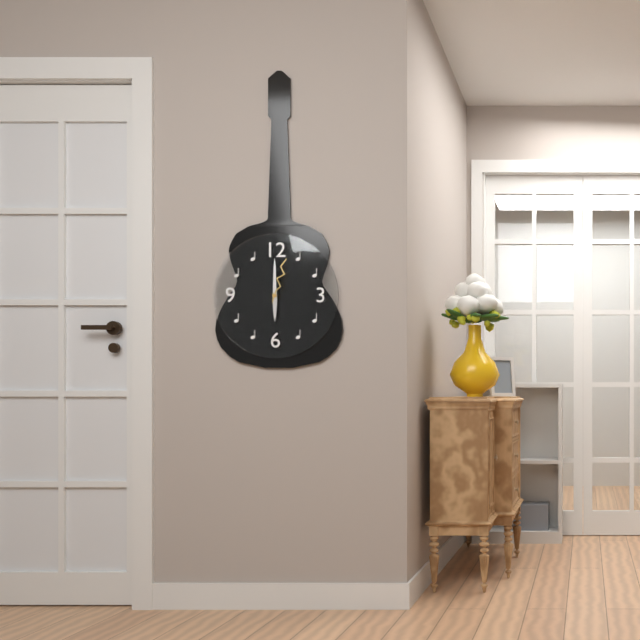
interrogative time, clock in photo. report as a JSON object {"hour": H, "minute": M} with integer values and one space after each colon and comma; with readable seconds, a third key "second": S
{"hour": 6, "minute": 0}
